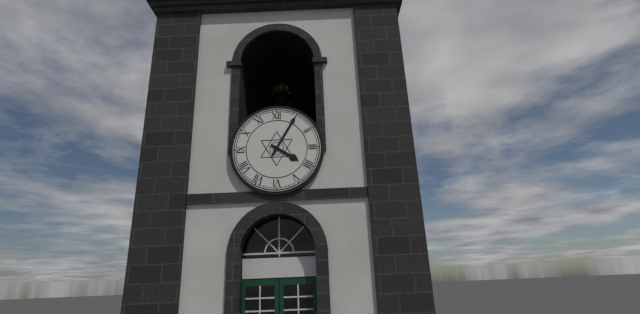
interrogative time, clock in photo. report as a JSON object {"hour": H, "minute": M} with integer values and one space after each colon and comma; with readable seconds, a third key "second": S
{"hour": 4, "minute": 5}
